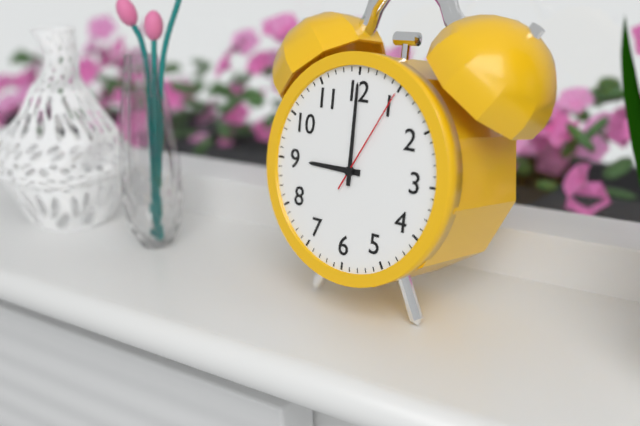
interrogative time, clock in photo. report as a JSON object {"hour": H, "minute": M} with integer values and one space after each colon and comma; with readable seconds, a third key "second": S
{"hour": 9, "minute": 0, "second": 5}
